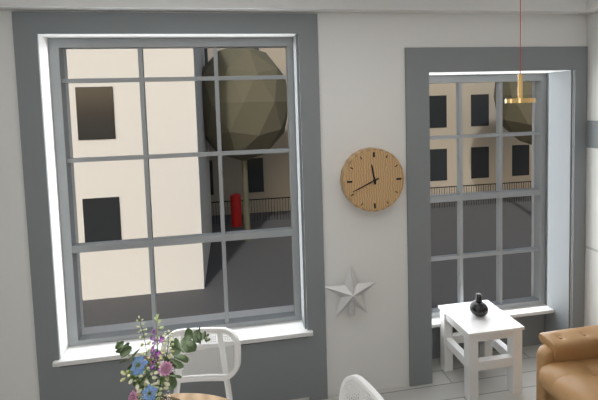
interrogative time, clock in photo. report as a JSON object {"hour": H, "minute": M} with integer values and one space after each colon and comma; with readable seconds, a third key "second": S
{"hour": 11, "minute": 41}
